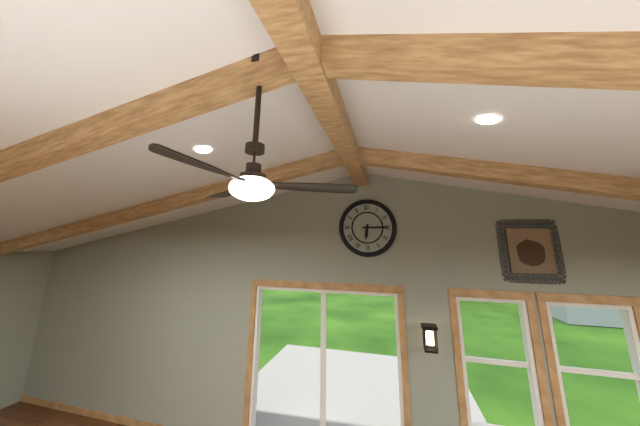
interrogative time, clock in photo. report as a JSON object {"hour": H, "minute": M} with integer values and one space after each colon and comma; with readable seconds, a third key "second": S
{"hour": 6, "minute": 15}
